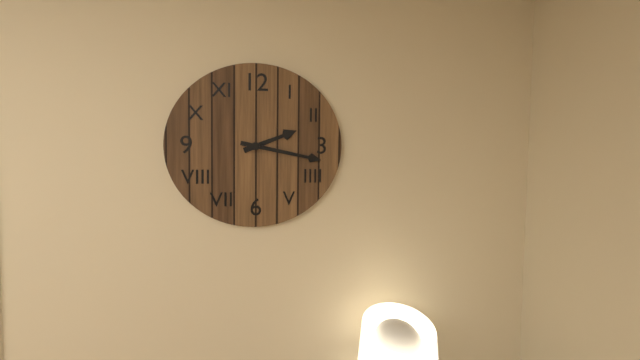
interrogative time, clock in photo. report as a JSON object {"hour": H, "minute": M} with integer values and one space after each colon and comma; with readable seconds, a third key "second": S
{"hour": 2, "minute": 17}
